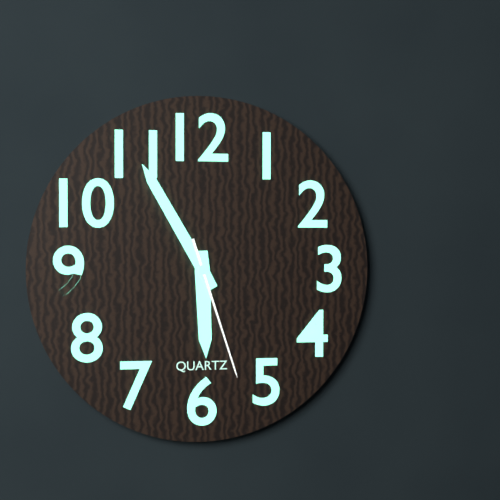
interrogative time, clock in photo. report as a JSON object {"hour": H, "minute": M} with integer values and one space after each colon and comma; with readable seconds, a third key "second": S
{"hour": 5, "minute": 55, "second": 27}
